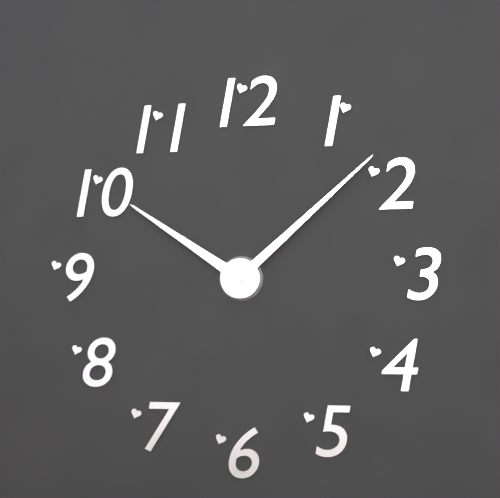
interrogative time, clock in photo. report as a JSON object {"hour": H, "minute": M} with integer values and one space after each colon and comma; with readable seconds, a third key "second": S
{"hour": 10, "minute": 8}
